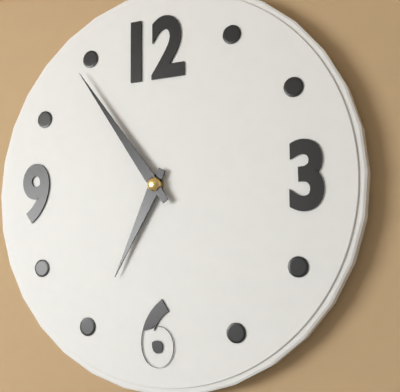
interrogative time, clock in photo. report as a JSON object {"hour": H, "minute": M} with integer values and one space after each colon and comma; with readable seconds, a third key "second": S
{"hour": 6, "minute": 54}
